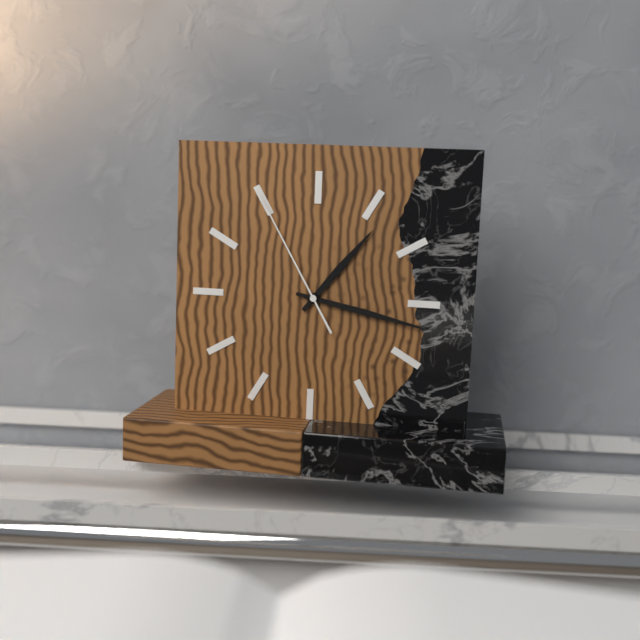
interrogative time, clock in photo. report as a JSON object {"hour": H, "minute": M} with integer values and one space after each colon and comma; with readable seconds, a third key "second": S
{"hour": 1, "minute": 17, "second": 55}
